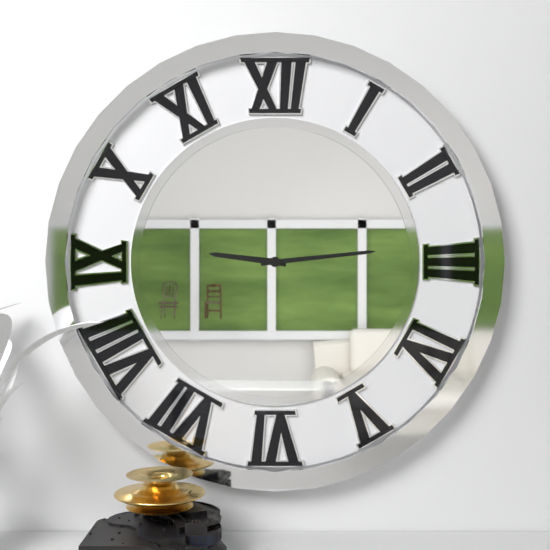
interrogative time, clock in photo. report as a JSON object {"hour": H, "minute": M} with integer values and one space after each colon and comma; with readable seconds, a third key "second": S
{"hour": 9, "minute": 14}
